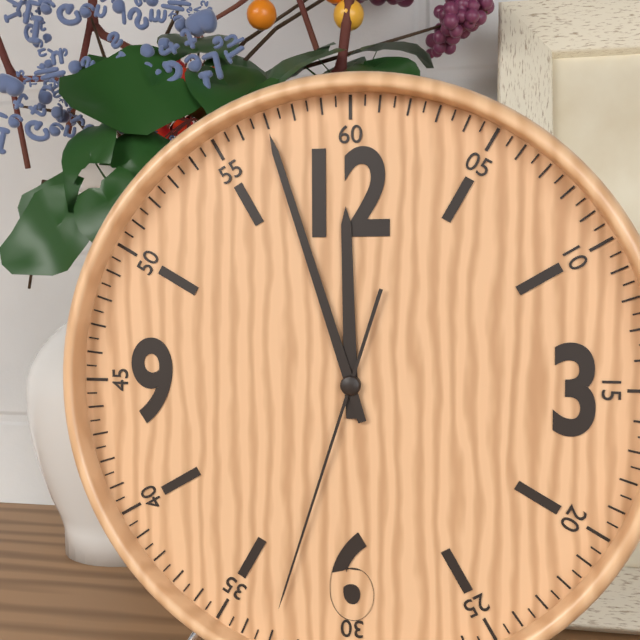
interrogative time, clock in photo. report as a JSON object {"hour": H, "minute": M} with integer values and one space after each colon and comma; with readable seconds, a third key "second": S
{"hour": 11, "minute": 57, "second": 33}
